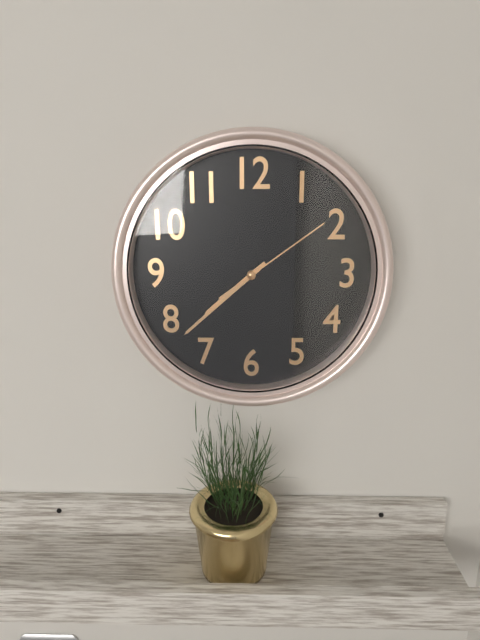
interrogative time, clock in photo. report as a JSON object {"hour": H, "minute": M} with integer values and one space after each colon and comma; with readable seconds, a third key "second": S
{"hour": 7, "minute": 38, "second": 9}
